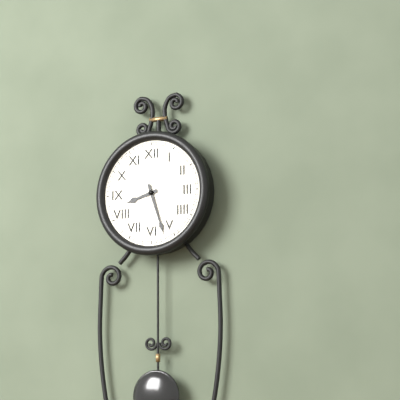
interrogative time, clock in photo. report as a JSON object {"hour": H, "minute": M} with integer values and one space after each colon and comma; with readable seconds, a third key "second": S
{"hour": 8, "minute": 27}
